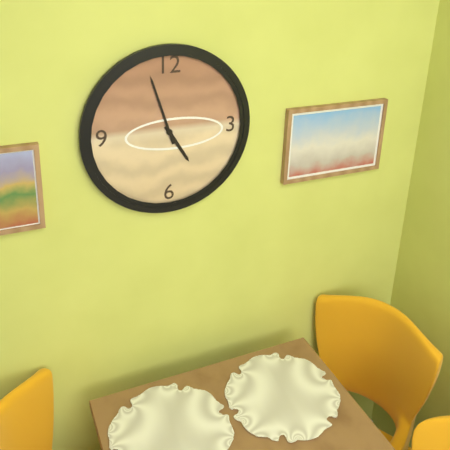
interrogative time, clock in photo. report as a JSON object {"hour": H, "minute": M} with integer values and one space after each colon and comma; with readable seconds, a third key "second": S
{"hour": 4, "minute": 57}
